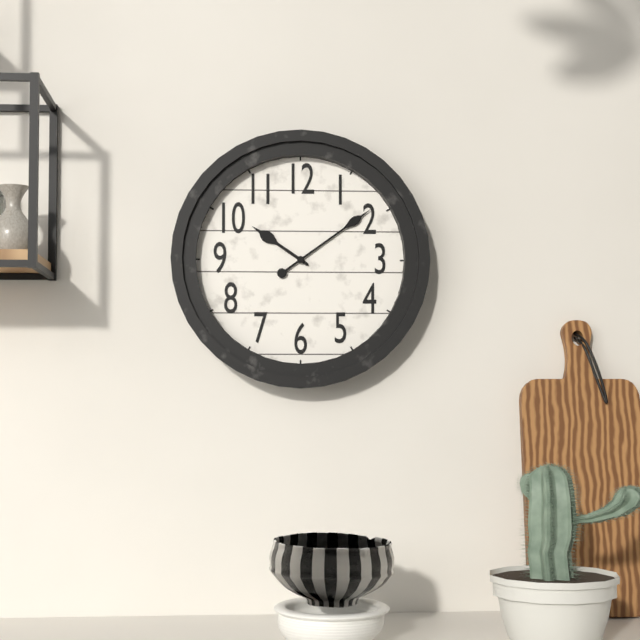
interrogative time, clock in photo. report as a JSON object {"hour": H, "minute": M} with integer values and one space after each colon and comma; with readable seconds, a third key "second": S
{"hour": 10, "minute": 9}
